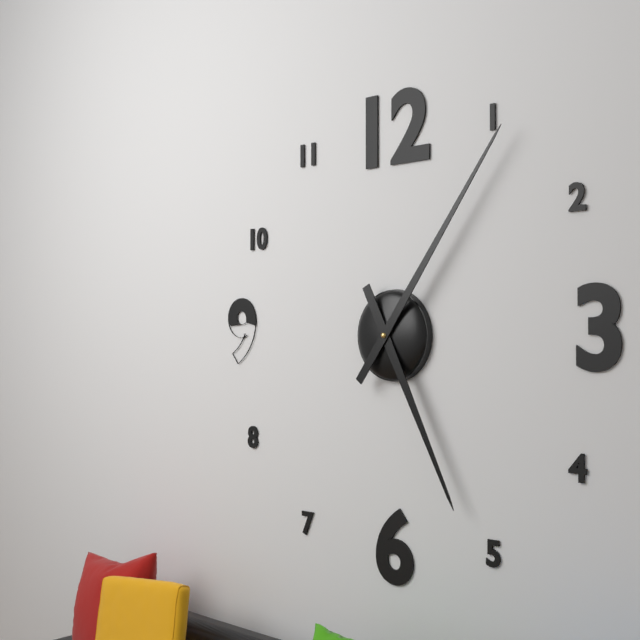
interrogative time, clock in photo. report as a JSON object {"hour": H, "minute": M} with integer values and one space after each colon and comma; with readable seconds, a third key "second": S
{"hour": 5, "minute": 6}
